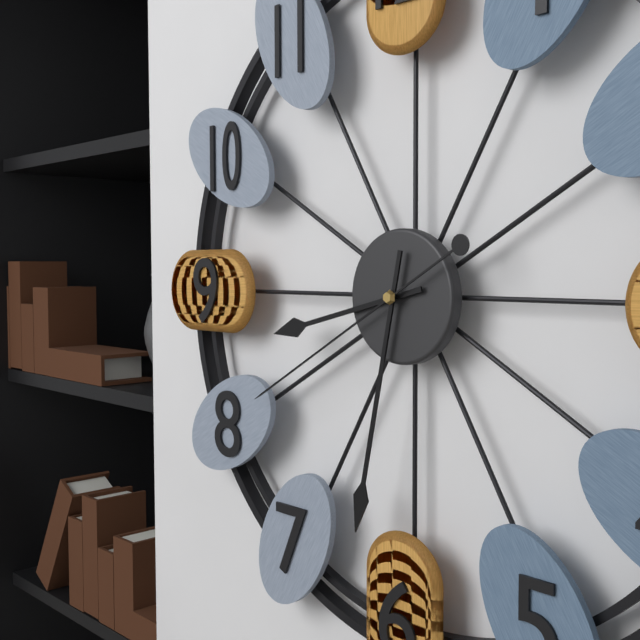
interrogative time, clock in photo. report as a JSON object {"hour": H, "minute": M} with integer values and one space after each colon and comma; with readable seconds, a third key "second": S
{"hour": 8, "minute": 32, "second": 40}
